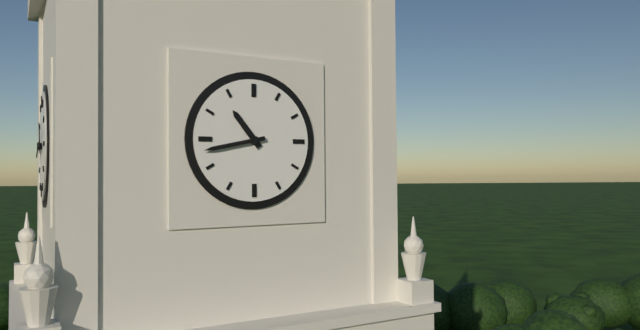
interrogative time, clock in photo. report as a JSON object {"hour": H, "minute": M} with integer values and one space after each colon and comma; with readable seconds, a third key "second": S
{"hour": 10, "minute": 43}
